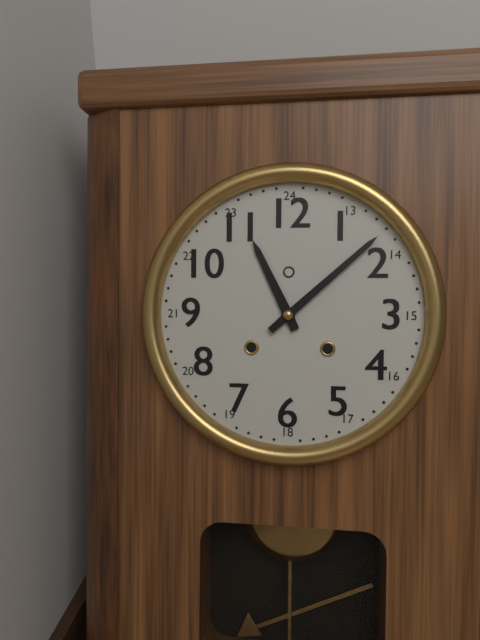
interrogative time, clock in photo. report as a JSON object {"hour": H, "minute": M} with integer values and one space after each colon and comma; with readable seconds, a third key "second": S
{"hour": 11, "minute": 8}
